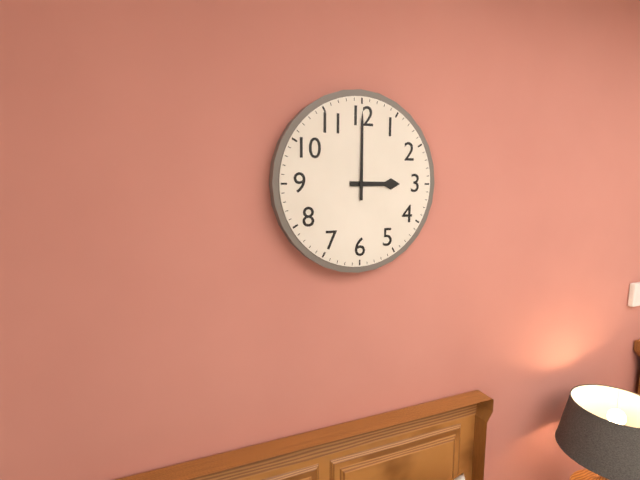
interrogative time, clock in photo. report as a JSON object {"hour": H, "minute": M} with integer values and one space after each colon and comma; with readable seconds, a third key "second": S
{"hour": 3, "minute": 0}
